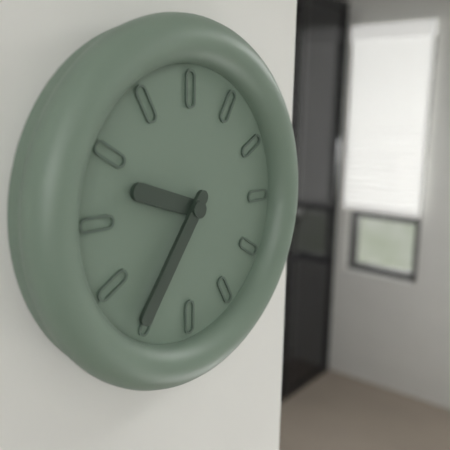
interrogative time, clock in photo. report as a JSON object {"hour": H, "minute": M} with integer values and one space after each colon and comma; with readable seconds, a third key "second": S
{"hour": 9, "minute": 36}
